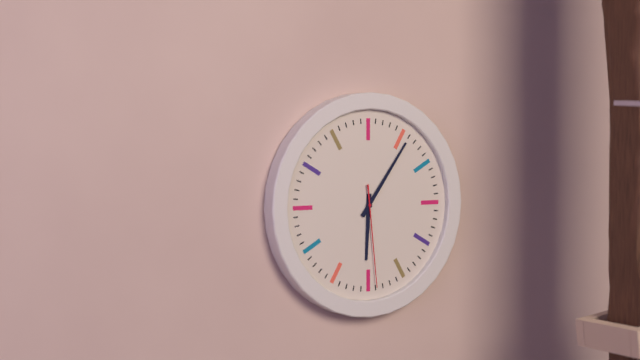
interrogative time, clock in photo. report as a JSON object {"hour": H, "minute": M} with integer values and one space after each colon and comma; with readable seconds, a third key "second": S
{"hour": 6, "minute": 6, "second": 29}
